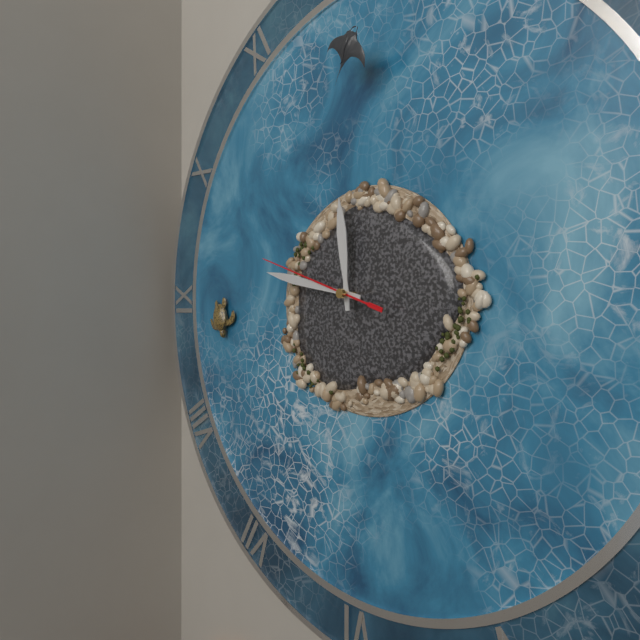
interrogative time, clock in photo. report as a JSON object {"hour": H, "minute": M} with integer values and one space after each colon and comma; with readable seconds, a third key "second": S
{"hour": 11, "minute": 47, "second": 48}
